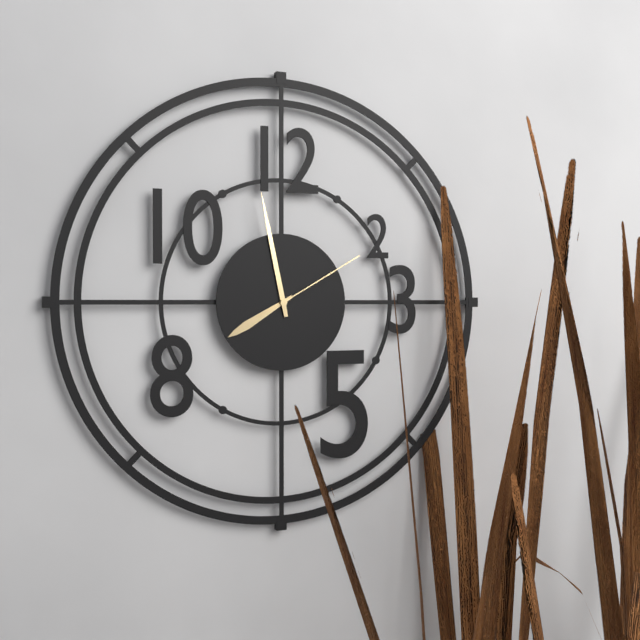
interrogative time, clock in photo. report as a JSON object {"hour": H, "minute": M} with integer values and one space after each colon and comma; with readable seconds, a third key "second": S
{"hour": 7, "minute": 58, "second": 10}
